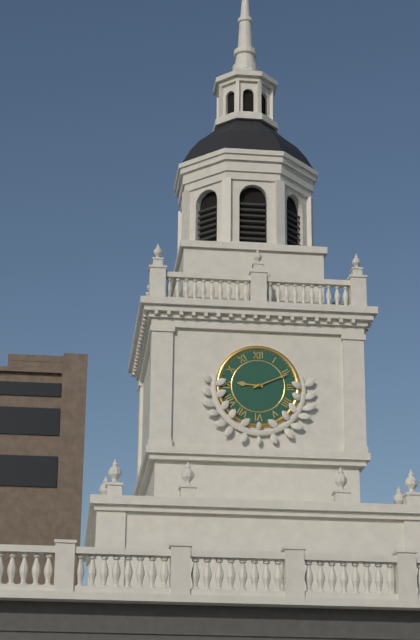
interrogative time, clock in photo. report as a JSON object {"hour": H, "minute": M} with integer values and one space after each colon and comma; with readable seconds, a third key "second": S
{"hour": 9, "minute": 11}
